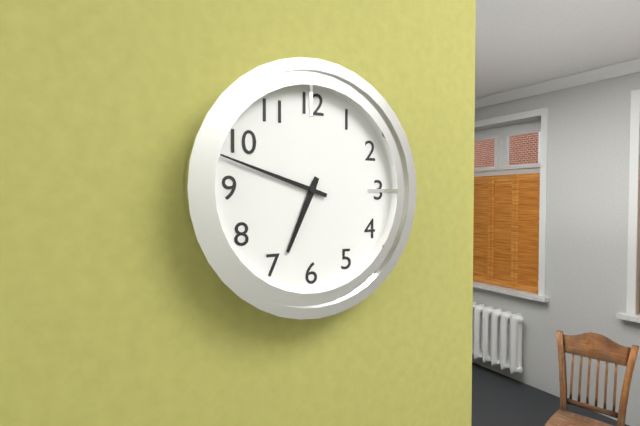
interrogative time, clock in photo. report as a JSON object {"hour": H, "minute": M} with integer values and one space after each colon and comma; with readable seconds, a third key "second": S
{"hour": 6, "minute": 48}
